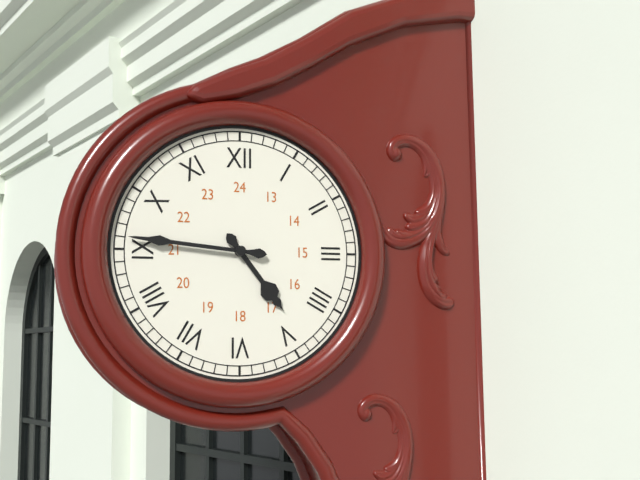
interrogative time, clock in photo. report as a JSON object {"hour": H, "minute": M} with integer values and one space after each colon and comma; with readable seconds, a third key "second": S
{"hour": 4, "minute": 46}
